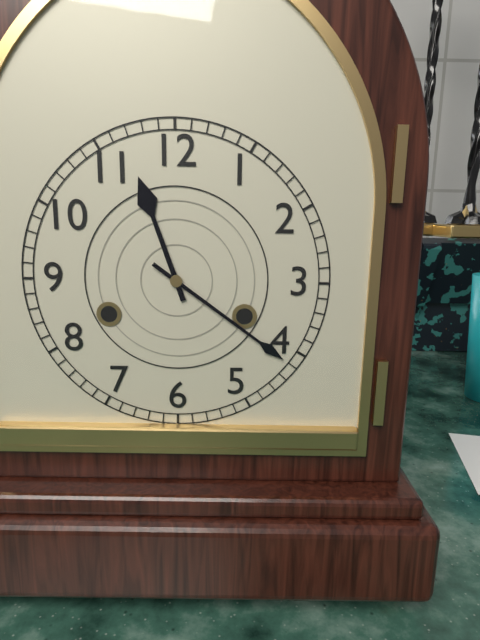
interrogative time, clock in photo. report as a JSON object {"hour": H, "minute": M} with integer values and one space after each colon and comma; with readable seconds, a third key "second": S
{"hour": 11, "minute": 21}
